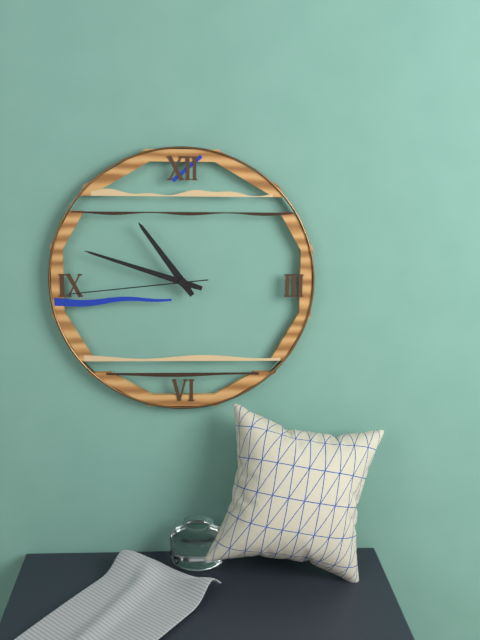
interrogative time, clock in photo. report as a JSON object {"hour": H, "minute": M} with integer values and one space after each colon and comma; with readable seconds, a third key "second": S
{"hour": 10, "minute": 48, "second": 44}
